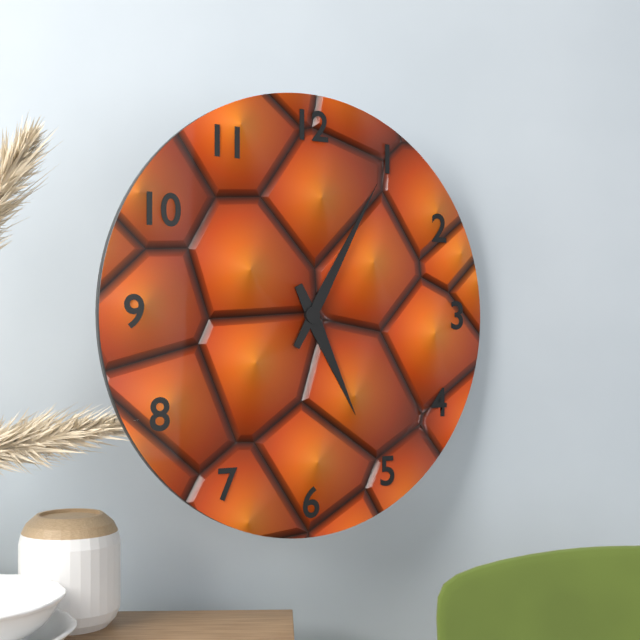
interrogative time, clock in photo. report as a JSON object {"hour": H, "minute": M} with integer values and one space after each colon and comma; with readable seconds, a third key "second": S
{"hour": 5, "minute": 5}
